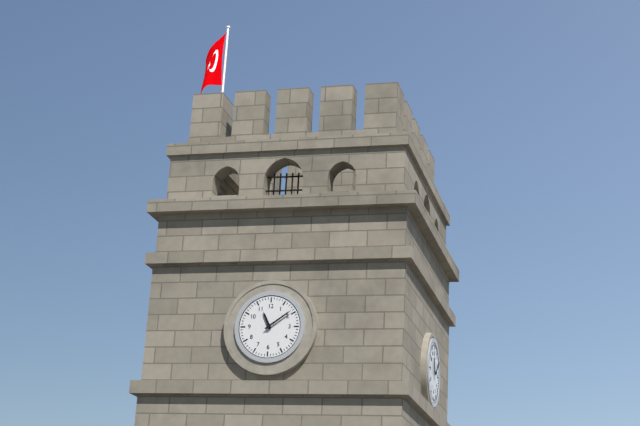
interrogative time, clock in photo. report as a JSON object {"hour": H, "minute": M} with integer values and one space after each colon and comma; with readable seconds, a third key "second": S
{"hour": 11, "minute": 9}
